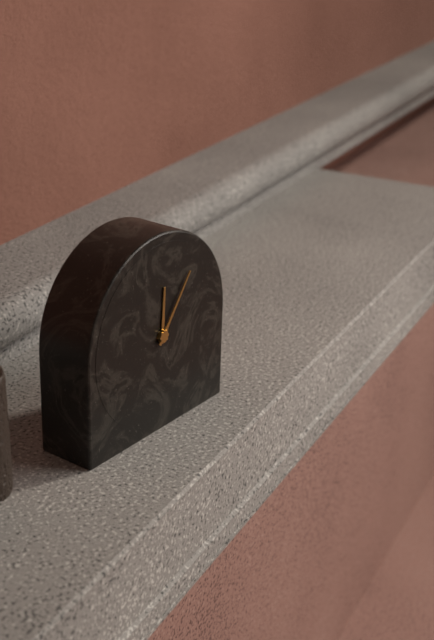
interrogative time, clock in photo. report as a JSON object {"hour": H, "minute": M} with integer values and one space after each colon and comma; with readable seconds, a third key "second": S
{"hour": 12, "minute": 6}
